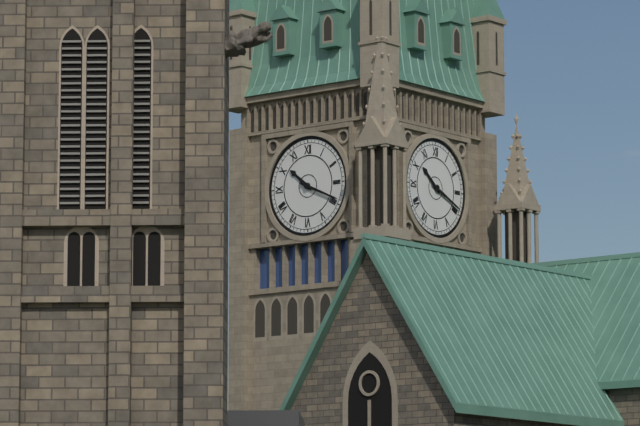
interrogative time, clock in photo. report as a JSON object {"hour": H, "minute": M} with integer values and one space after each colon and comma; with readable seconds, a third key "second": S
{"hour": 10, "minute": 19}
